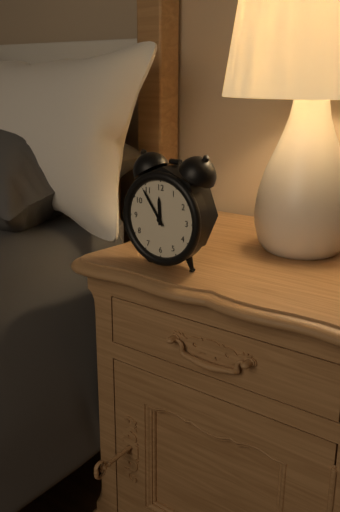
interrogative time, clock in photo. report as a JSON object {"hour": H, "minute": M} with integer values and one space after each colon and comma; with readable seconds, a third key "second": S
{"hour": 11, "minute": 54}
